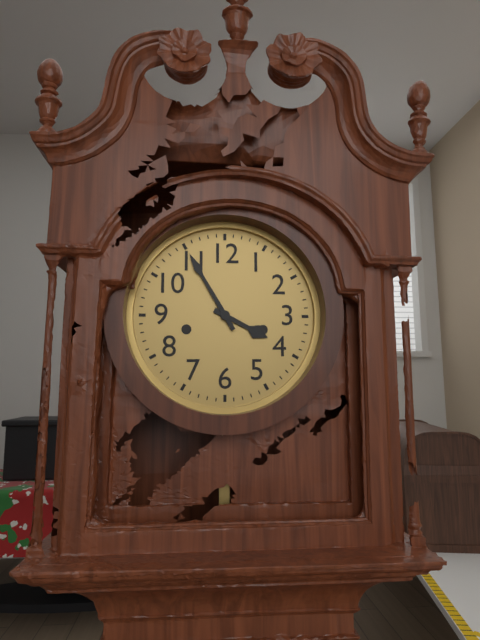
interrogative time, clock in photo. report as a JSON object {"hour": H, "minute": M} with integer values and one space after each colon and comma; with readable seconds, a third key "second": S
{"hour": 3, "minute": 55}
